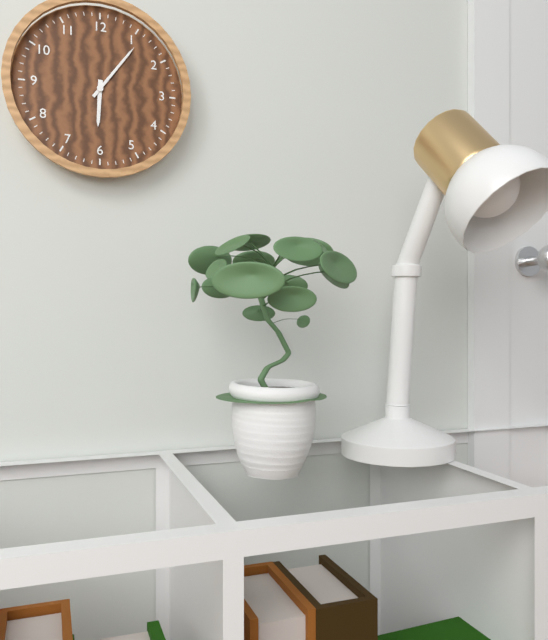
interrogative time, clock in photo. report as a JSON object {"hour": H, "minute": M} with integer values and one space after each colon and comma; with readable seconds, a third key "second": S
{"hour": 6, "minute": 6}
